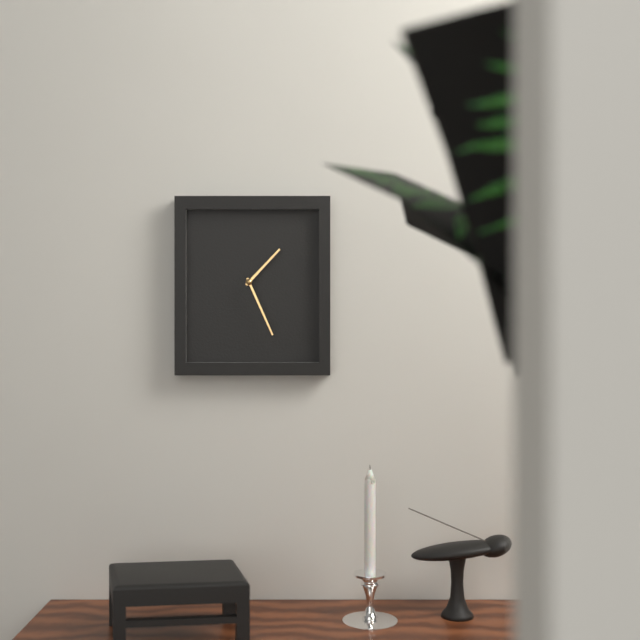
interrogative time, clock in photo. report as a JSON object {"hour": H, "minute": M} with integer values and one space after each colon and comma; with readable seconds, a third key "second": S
{"hour": 1, "minute": 26}
